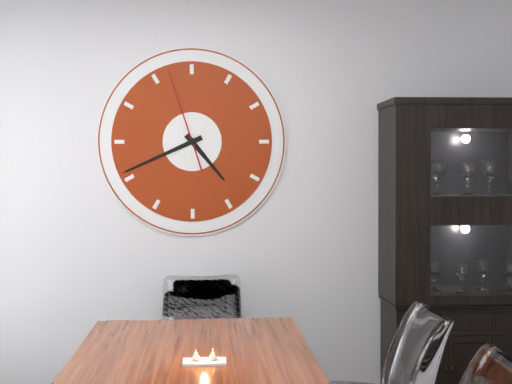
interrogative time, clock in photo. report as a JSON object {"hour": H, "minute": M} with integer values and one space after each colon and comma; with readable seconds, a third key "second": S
{"hour": 4, "minute": 41, "second": 57}
